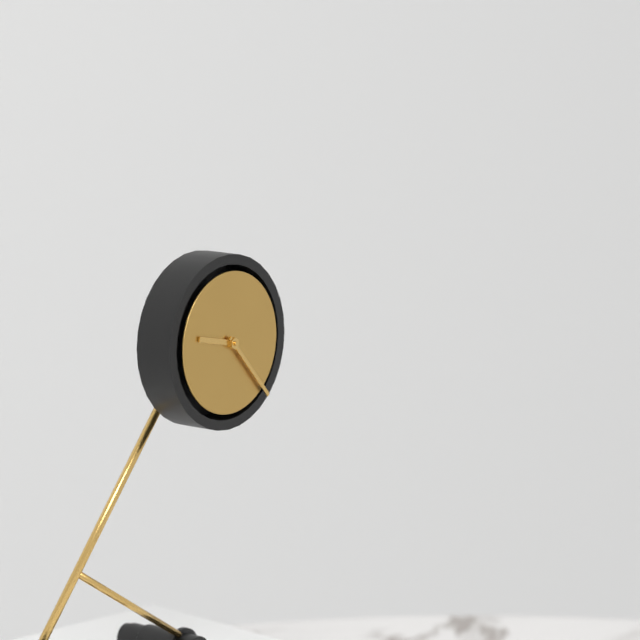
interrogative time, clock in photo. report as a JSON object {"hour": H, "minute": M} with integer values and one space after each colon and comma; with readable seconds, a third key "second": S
{"hour": 9, "minute": 23}
